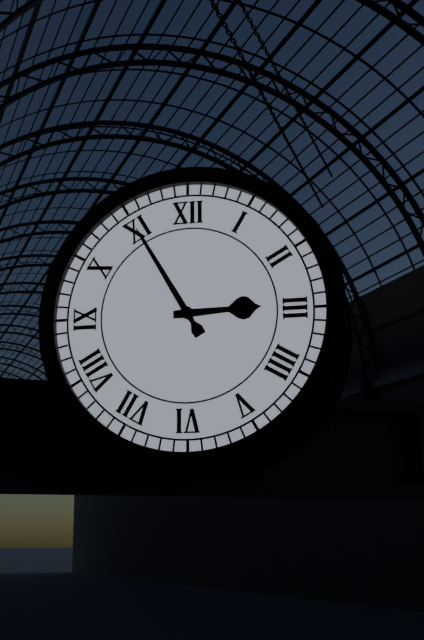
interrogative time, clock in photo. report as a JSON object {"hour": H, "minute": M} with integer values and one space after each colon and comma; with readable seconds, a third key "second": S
{"hour": 2, "minute": 55}
